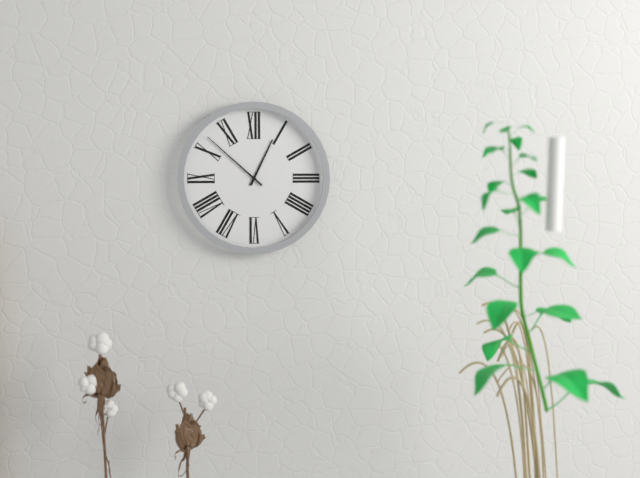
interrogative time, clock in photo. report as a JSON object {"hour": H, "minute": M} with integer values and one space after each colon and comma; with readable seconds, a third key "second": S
{"hour": 12, "minute": 52}
